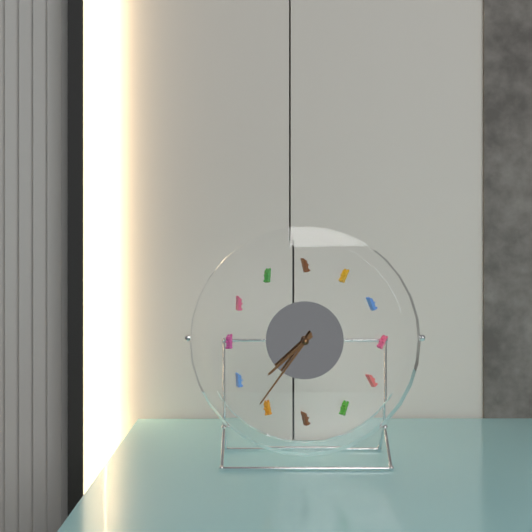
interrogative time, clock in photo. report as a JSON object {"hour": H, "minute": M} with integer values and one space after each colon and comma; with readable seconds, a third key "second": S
{"hour": 7, "minute": 36}
